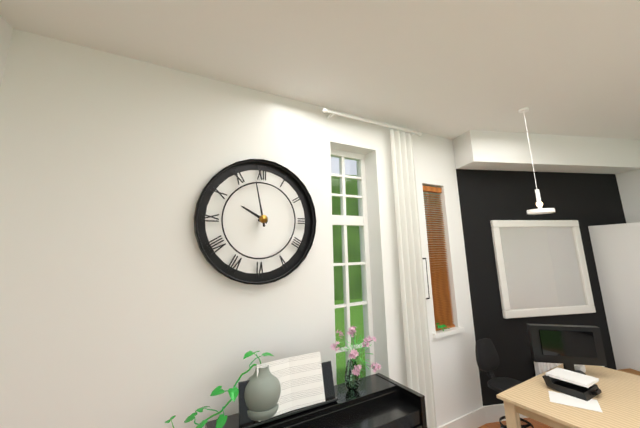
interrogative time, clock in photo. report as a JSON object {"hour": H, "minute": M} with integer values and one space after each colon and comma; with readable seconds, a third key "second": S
{"hour": 9, "minute": 58}
